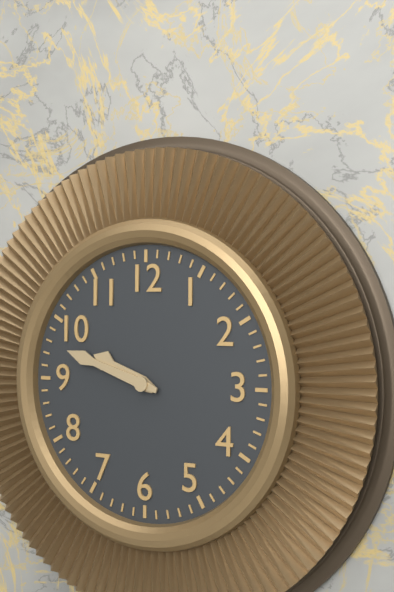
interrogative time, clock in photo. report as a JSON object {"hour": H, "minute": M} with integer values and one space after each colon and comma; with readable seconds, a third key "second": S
{"hour": 9, "minute": 48}
